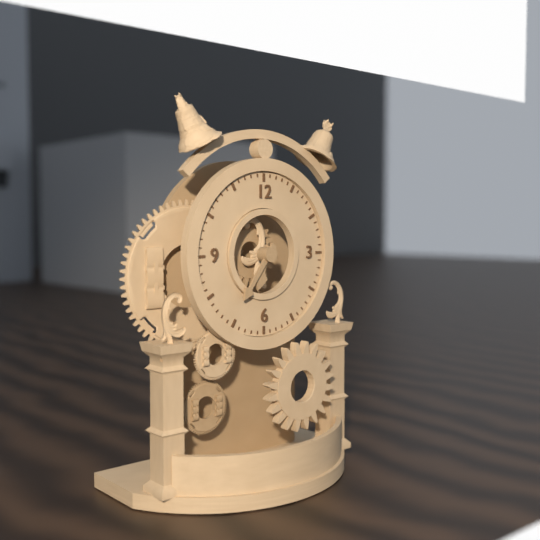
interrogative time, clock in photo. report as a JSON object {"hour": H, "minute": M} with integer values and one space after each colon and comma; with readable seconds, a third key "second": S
{"hour": 6, "minute": 36}
